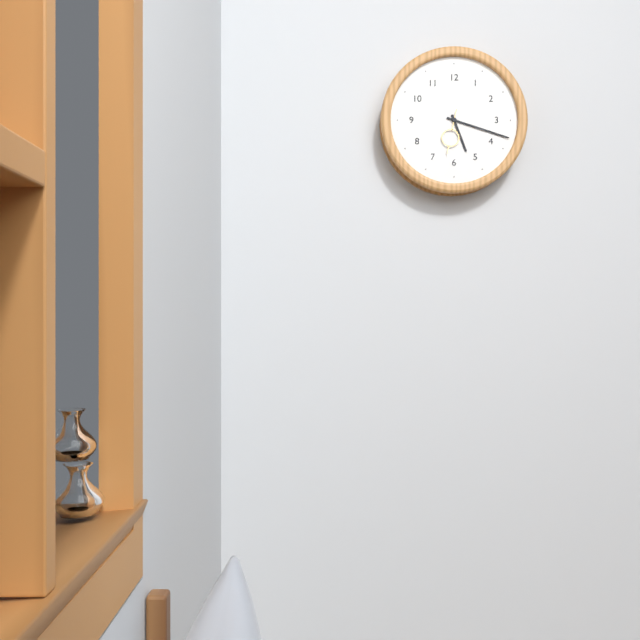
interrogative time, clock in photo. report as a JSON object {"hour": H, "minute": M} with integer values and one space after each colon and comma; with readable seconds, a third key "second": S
{"hour": 5, "minute": 18}
